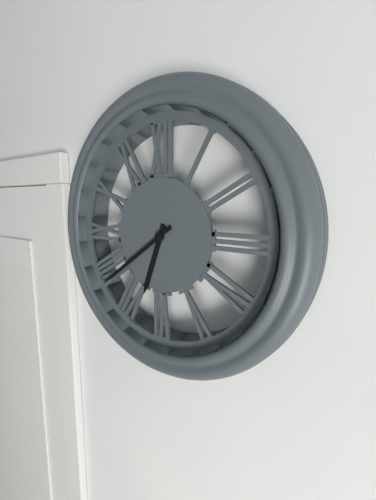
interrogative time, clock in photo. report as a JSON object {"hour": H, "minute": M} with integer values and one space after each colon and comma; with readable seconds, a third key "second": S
{"hour": 6, "minute": 39}
